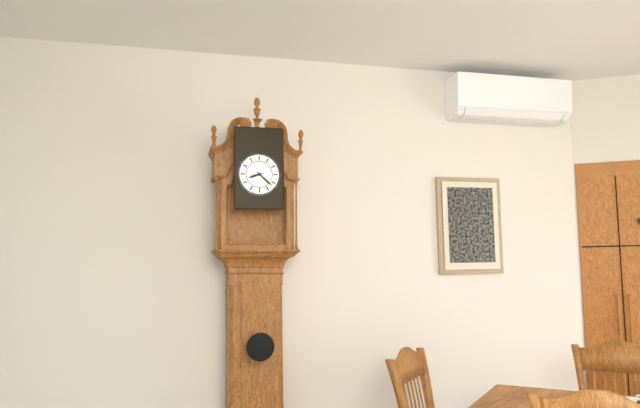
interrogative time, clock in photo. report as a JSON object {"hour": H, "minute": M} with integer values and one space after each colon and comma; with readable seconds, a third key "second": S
{"hour": 8, "minute": 22}
